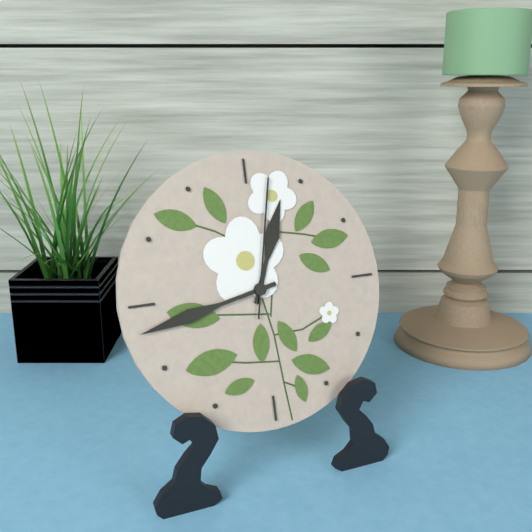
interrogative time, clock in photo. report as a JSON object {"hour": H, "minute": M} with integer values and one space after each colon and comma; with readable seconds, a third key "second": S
{"hour": 12, "minute": 43, "second": 2}
